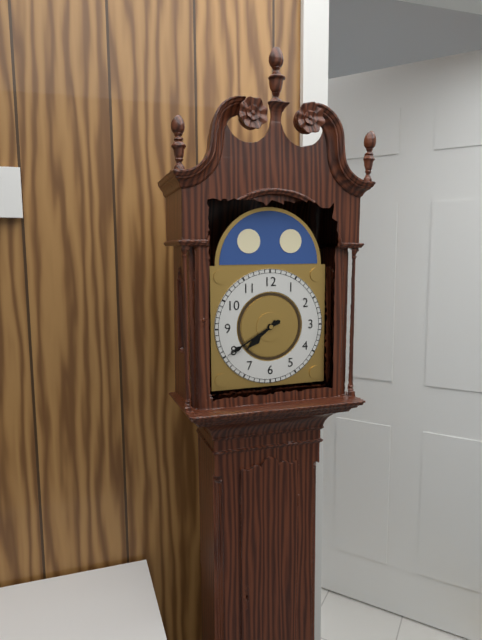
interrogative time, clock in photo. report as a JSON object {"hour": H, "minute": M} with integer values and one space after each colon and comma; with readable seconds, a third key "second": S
{"hour": 7, "minute": 40}
